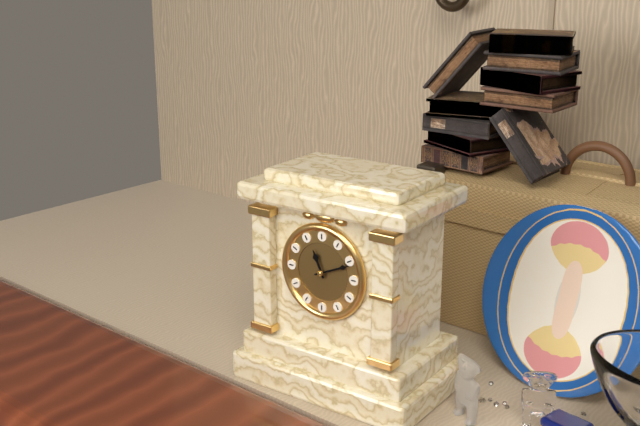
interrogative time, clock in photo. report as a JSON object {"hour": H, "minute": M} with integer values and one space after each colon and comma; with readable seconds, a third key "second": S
{"hour": 11, "minute": 11}
